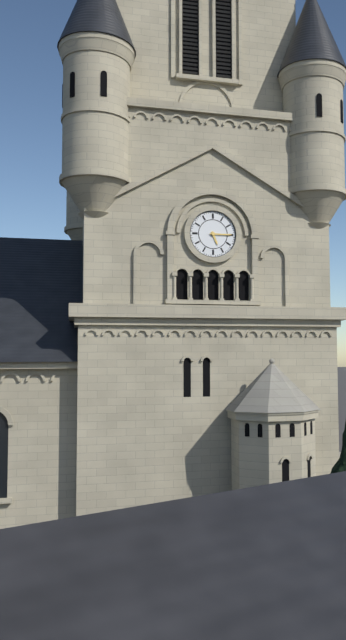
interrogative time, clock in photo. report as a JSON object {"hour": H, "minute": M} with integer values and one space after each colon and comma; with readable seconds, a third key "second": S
{"hour": 5, "minute": 15}
